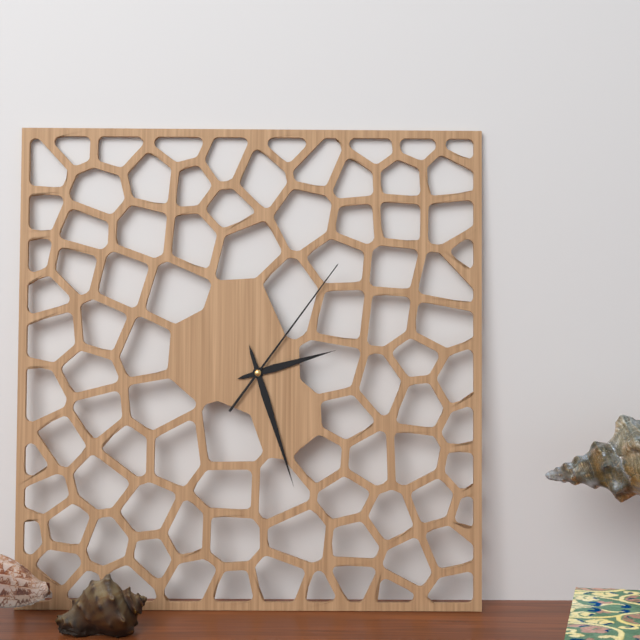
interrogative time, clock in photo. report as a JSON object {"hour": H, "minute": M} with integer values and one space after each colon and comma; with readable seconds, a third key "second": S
{"hour": 2, "minute": 27, "second": 6}
